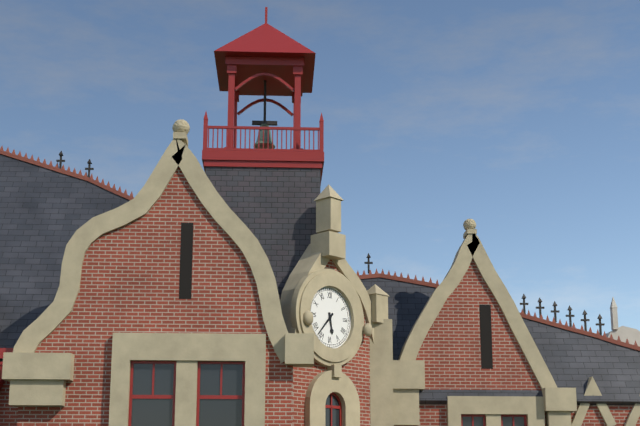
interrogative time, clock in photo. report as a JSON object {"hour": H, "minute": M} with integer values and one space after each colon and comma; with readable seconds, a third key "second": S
{"hour": 5, "minute": 37}
